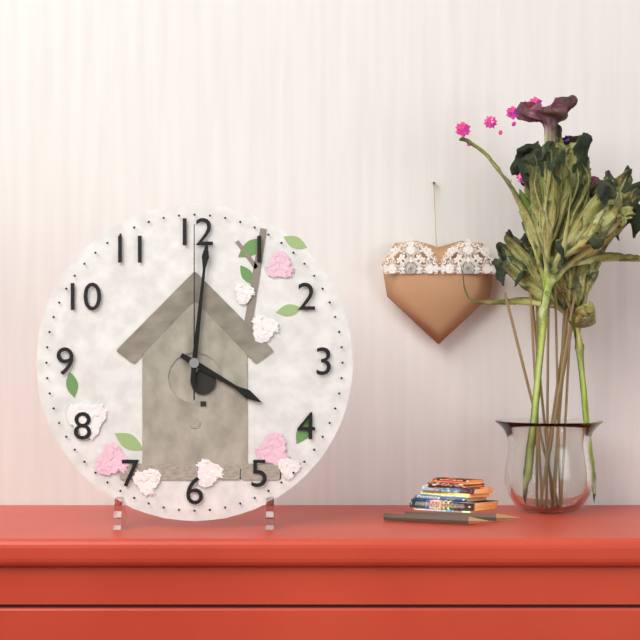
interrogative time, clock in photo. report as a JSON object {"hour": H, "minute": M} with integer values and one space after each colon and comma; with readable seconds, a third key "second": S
{"hour": 4, "minute": 1, "second": 0}
